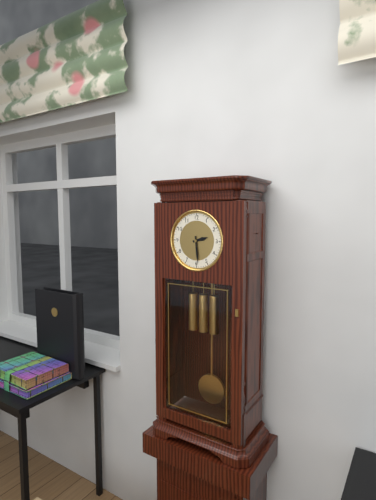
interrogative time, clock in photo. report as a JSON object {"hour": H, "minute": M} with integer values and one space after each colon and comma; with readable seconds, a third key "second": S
{"hour": 2, "minute": 29}
